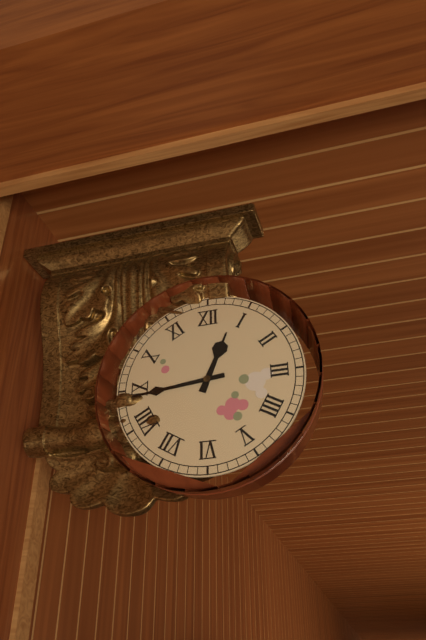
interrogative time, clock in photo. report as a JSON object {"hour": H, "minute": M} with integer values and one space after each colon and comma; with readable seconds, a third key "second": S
{"hour": 12, "minute": 44}
